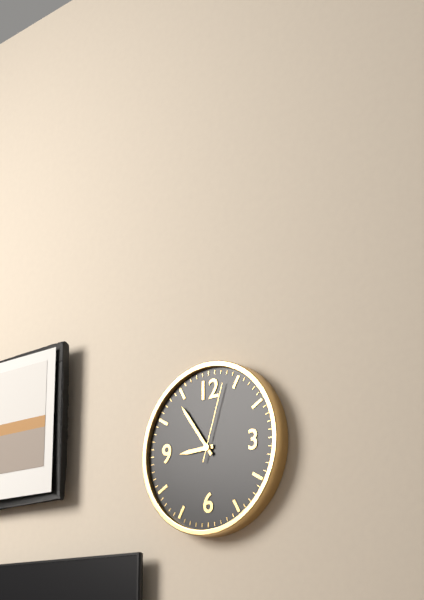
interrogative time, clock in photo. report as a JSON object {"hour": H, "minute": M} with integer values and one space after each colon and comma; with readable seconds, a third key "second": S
{"hour": 8, "minute": 54, "second": 3}
